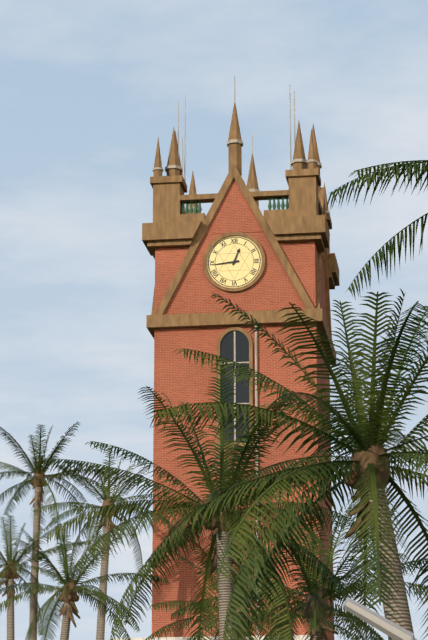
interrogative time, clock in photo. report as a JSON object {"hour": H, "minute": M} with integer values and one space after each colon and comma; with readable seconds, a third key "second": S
{"hour": 12, "minute": 44}
